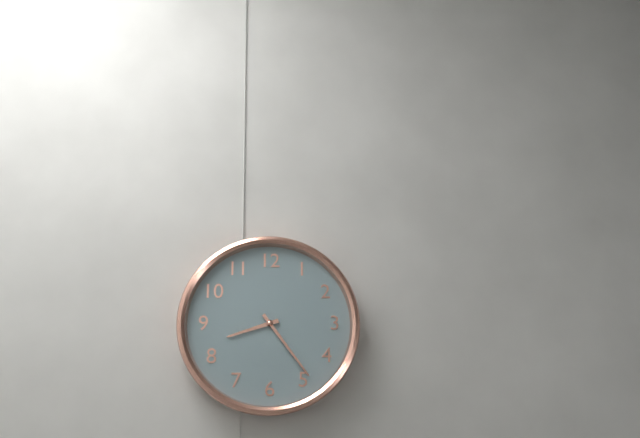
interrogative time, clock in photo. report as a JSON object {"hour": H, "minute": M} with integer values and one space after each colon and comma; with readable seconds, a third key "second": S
{"hour": 8, "minute": 24}
